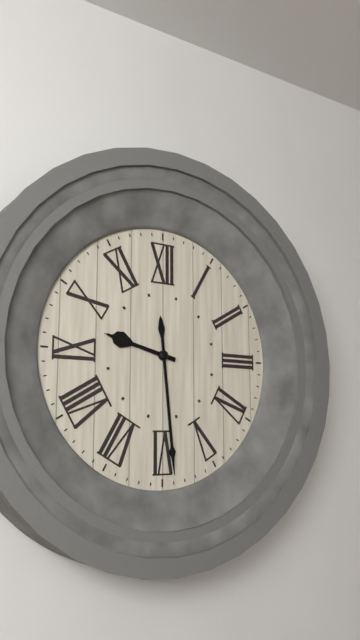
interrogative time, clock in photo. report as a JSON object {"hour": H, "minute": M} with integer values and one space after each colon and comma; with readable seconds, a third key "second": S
{"hour": 9, "minute": 29}
